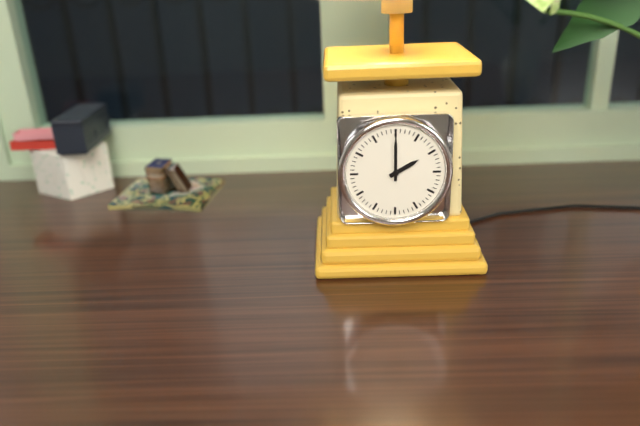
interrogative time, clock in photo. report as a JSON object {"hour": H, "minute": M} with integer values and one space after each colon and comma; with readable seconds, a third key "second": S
{"hour": 2, "minute": 0}
